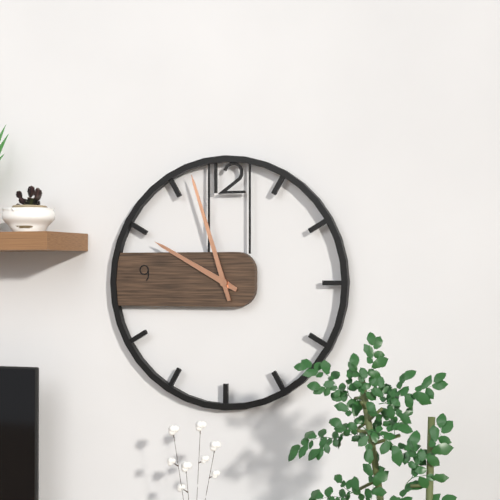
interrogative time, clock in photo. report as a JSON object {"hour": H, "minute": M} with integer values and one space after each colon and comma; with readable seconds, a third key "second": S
{"hour": 9, "minute": 57}
